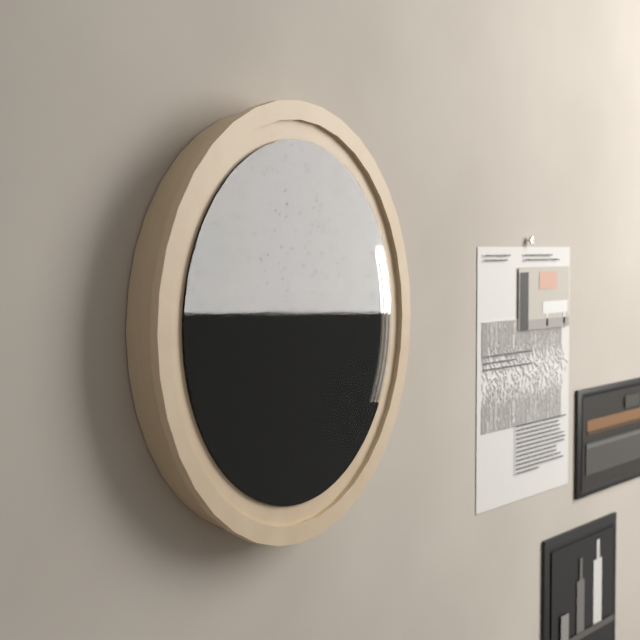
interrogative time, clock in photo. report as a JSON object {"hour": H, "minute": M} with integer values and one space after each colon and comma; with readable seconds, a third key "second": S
{"hour": 1, "minute": 42}
